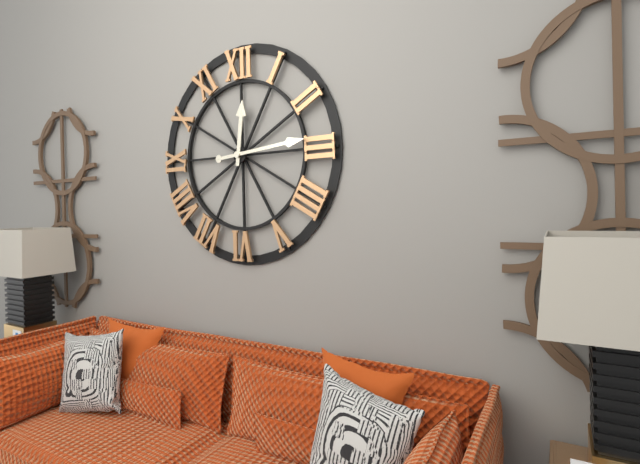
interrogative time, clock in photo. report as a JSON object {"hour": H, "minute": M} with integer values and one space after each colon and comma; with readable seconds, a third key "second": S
{"hour": 12, "minute": 14}
